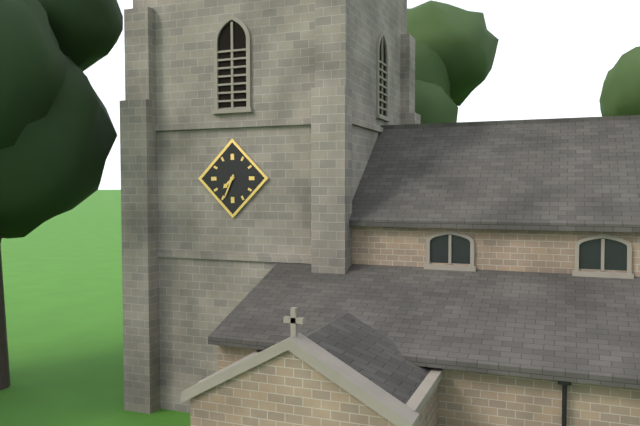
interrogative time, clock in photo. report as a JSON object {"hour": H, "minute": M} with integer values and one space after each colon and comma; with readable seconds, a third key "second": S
{"hour": 7, "minute": 34}
